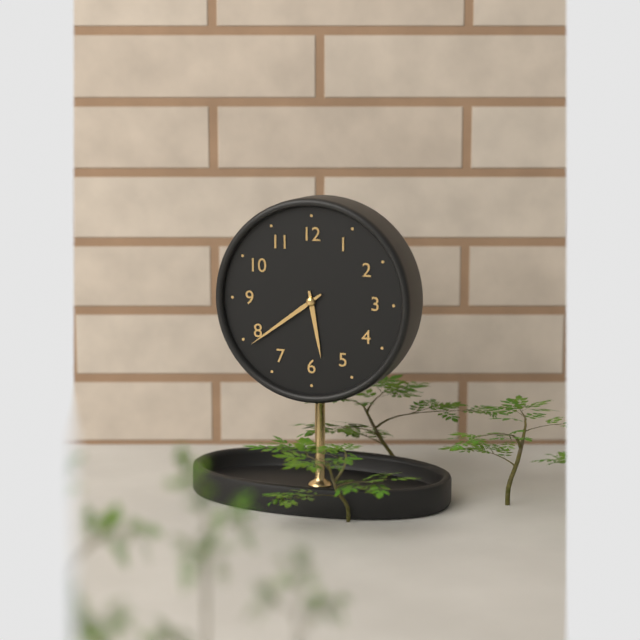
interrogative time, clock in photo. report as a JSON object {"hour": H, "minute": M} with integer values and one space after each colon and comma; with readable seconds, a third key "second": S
{"hour": 5, "minute": 39}
